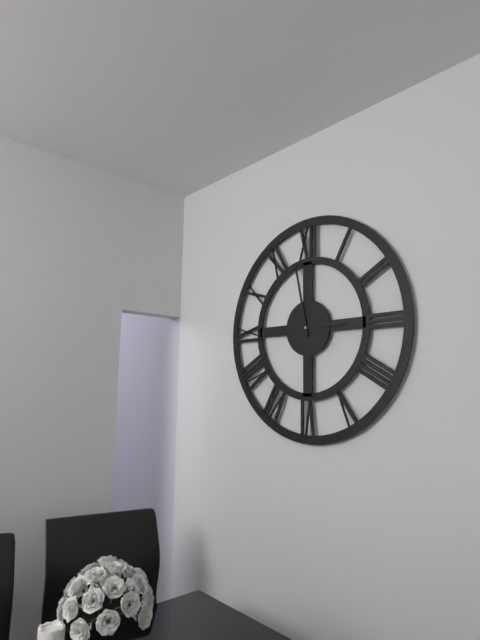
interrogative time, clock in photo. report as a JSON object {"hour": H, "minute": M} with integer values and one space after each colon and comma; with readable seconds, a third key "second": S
{"hour": 2, "minute": 58}
